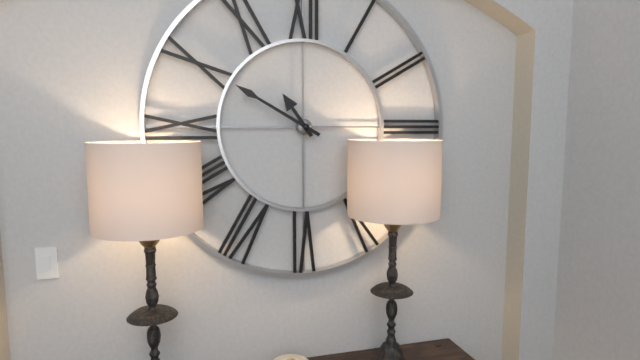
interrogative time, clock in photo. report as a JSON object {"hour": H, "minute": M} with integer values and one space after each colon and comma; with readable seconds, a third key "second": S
{"hour": 10, "minute": 50}
